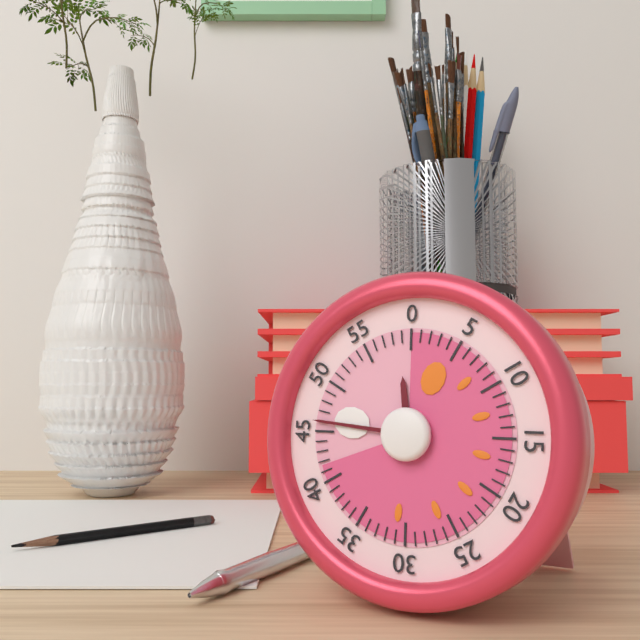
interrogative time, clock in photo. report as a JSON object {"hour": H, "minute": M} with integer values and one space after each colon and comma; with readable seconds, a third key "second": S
{"hour": 11, "minute": 46}
